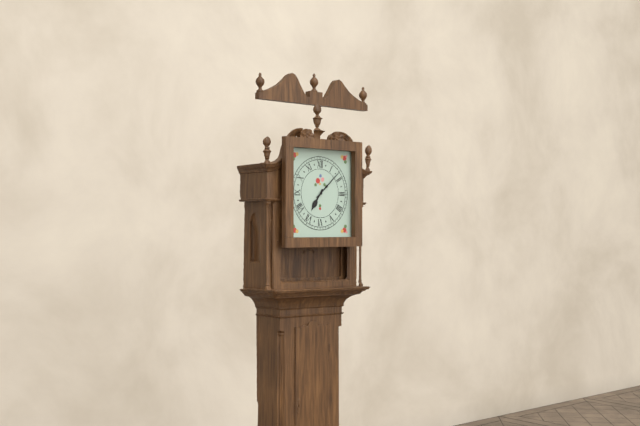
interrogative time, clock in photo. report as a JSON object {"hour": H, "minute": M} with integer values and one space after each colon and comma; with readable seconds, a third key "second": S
{"hour": 7, "minute": 8}
